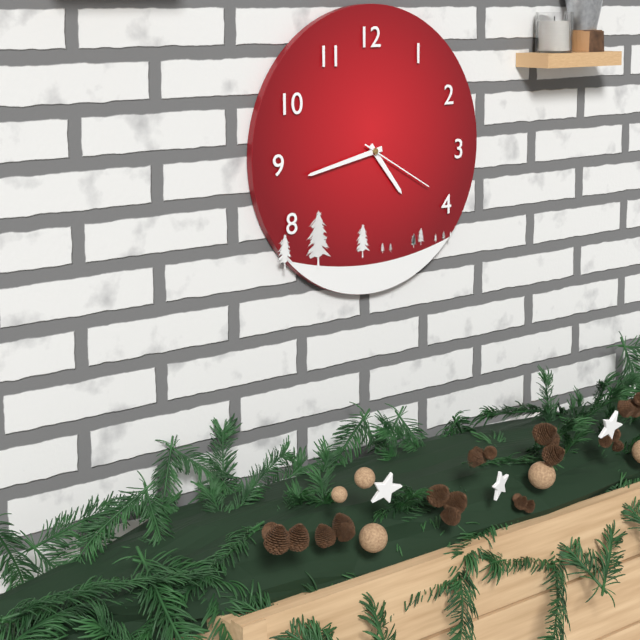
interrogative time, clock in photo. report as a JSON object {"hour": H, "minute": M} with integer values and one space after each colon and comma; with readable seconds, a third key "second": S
{"hour": 4, "minute": 43, "second": 20}
